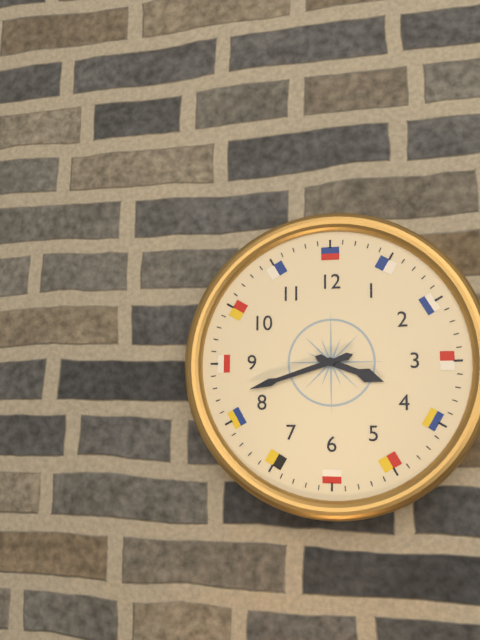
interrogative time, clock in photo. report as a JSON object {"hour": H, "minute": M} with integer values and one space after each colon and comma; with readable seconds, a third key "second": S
{"hour": 3, "minute": 42}
